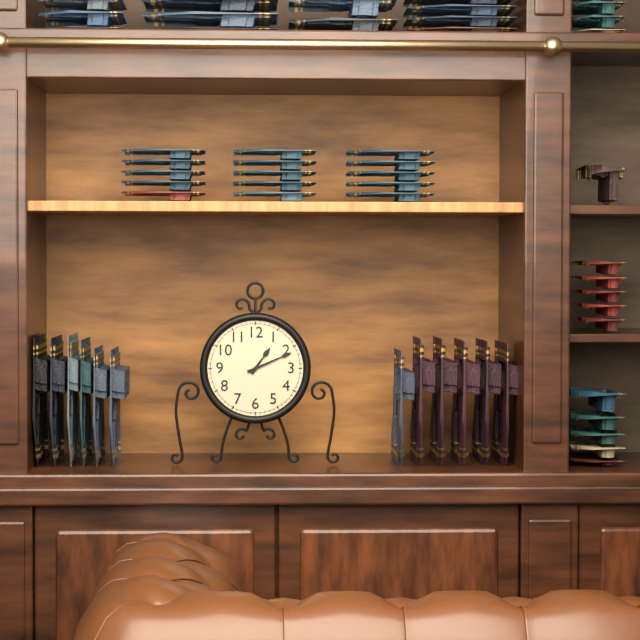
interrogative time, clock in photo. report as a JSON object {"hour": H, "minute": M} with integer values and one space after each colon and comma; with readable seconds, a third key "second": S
{"hour": 1, "minute": 11}
